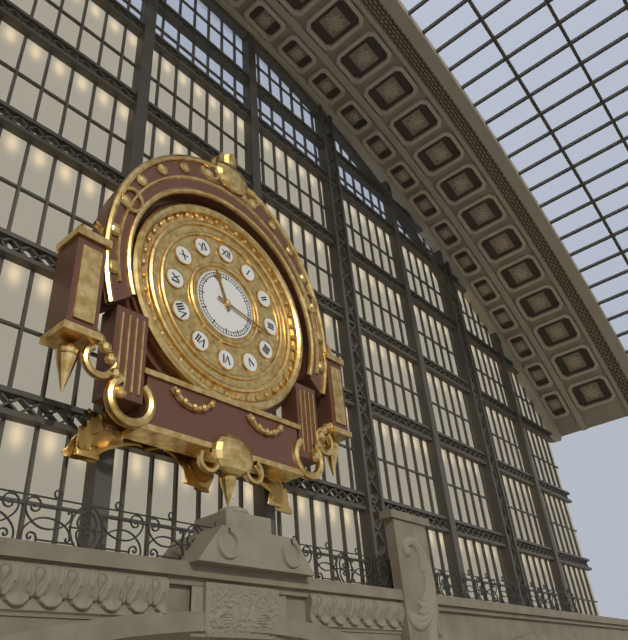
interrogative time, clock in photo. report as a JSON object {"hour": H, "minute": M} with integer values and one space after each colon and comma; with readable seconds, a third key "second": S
{"hour": 11, "minute": 17}
